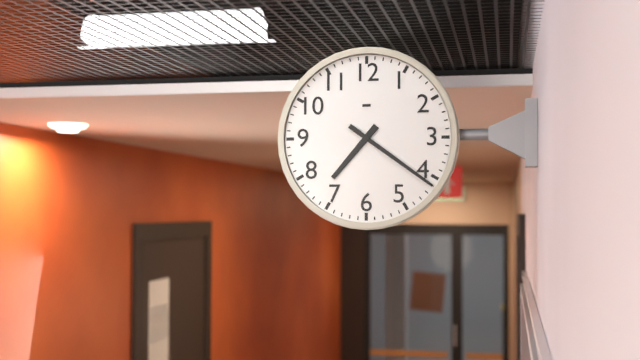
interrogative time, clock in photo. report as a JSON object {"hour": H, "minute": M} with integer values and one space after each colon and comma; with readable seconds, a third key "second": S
{"hour": 7, "minute": 21}
